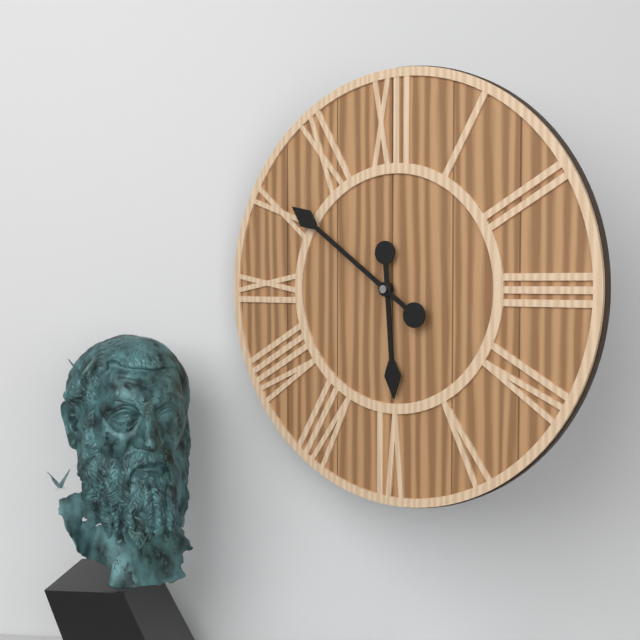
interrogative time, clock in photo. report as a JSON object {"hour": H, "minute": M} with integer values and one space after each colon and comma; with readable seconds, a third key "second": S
{"hour": 5, "minute": 51}
